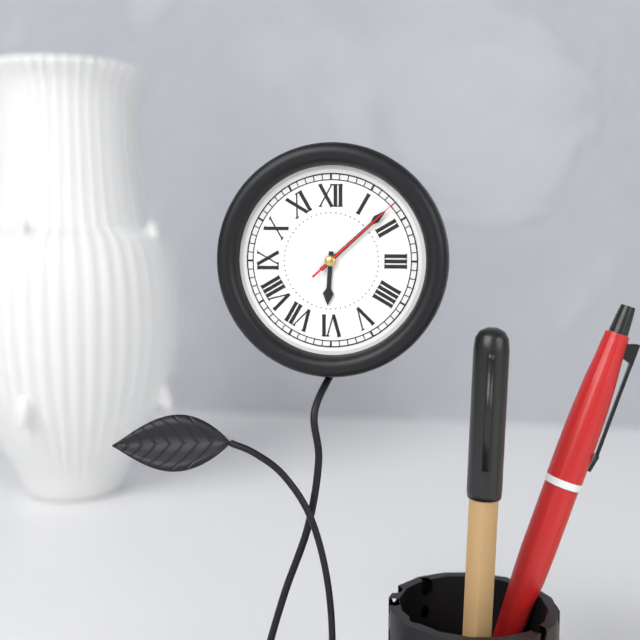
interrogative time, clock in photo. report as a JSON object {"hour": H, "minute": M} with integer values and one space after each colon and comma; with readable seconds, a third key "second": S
{"hour": 6, "minute": 8, "second": 8}
